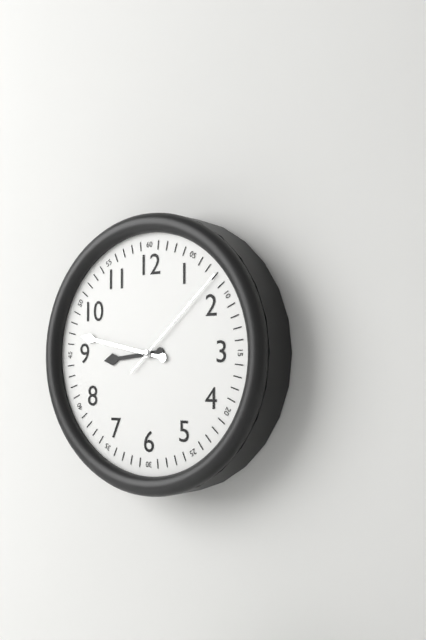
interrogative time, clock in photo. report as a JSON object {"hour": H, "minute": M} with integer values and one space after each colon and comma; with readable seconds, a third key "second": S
{"hour": 8, "minute": 47, "second": 8}
